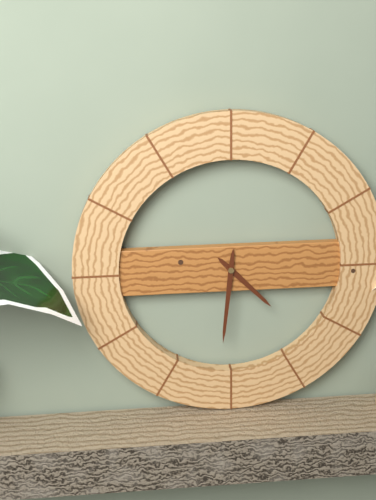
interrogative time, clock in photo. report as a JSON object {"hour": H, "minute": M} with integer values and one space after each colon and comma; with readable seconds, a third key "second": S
{"hour": 4, "minute": 31}
